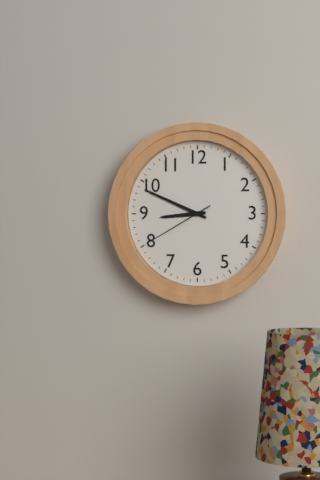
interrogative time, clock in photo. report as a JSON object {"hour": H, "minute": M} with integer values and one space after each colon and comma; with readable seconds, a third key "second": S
{"hour": 8, "minute": 49, "second": 40}
